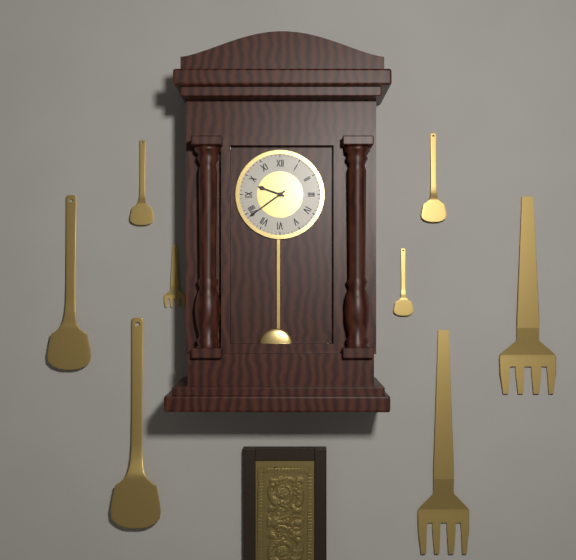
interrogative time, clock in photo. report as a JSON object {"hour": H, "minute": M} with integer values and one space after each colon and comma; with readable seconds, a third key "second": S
{"hour": 9, "minute": 39}
